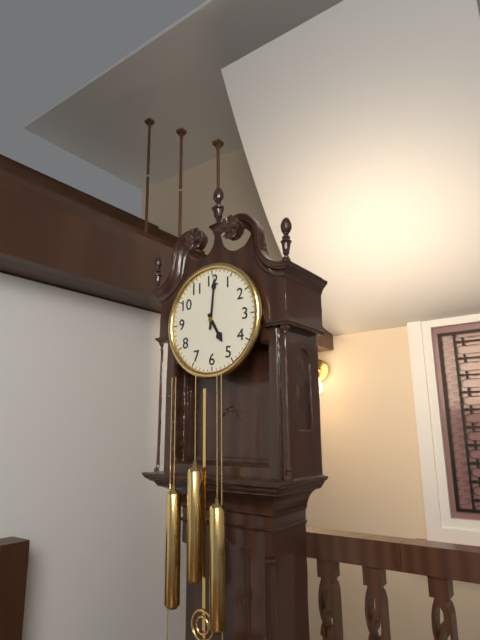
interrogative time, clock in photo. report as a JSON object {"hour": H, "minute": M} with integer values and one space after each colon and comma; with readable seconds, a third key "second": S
{"hour": 5, "minute": 1}
